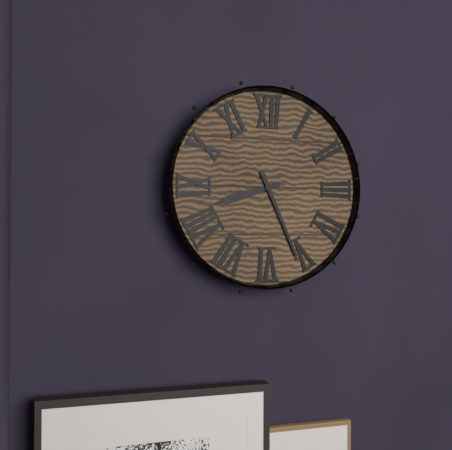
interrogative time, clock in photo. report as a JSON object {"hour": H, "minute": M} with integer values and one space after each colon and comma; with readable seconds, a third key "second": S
{"hour": 8, "minute": 26}
